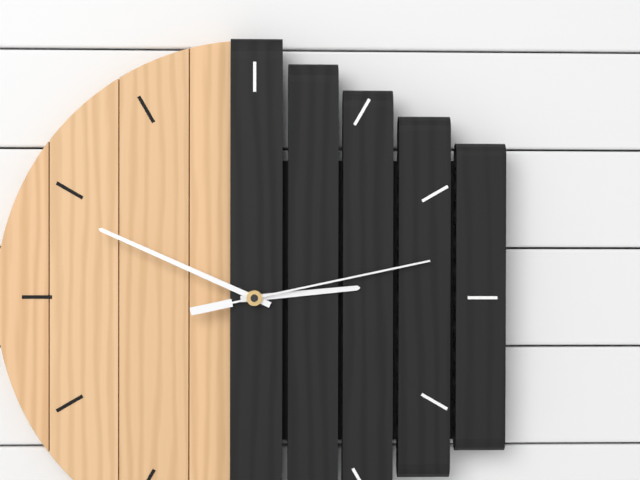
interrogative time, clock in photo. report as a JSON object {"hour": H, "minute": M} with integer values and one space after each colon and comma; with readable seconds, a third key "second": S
{"hour": 2, "minute": 49, "second": 13}
